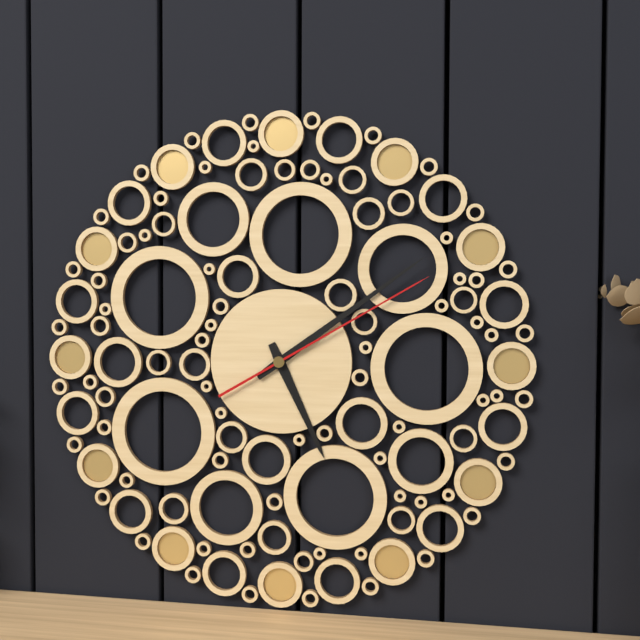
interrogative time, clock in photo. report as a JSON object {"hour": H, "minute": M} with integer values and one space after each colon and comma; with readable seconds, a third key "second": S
{"hour": 5, "minute": 9, "second": 10}
